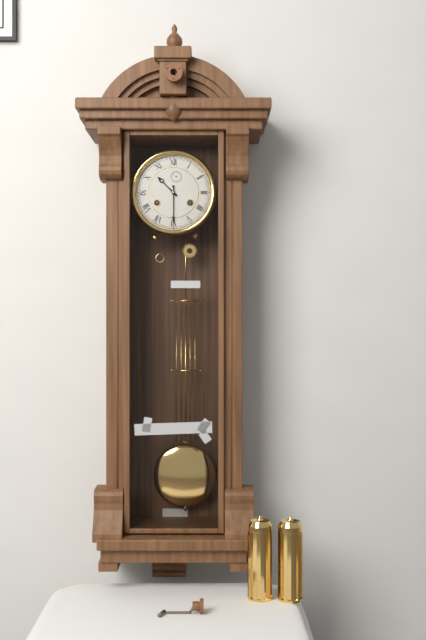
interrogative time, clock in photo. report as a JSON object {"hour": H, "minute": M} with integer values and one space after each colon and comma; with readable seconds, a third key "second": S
{"hour": 10, "minute": 30}
